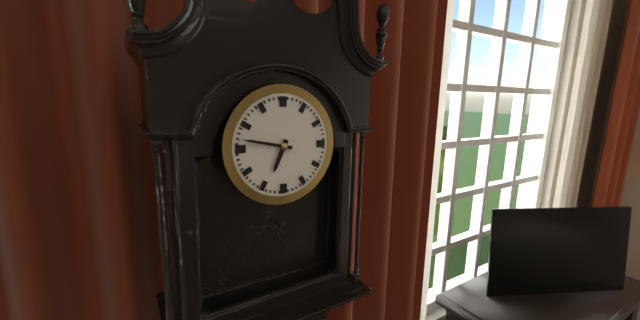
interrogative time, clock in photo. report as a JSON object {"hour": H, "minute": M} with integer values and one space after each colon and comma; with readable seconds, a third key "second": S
{"hour": 6, "minute": 47}
